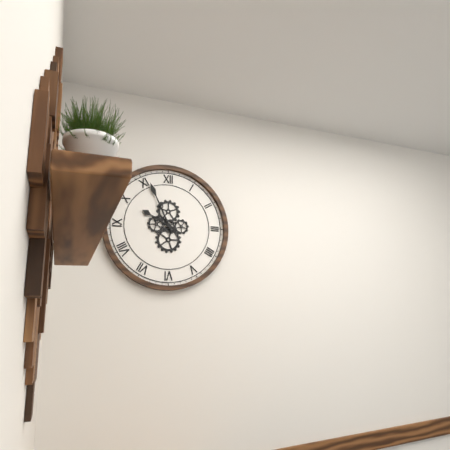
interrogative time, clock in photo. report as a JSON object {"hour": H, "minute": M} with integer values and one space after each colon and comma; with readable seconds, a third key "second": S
{"hour": 9, "minute": 56}
